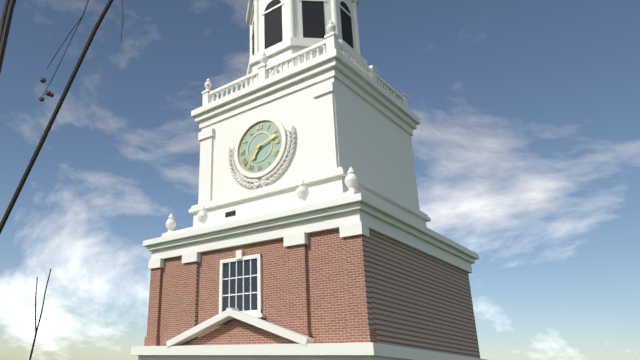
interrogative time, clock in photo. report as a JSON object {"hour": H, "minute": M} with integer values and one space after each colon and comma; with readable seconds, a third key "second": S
{"hour": 7, "minute": 12}
